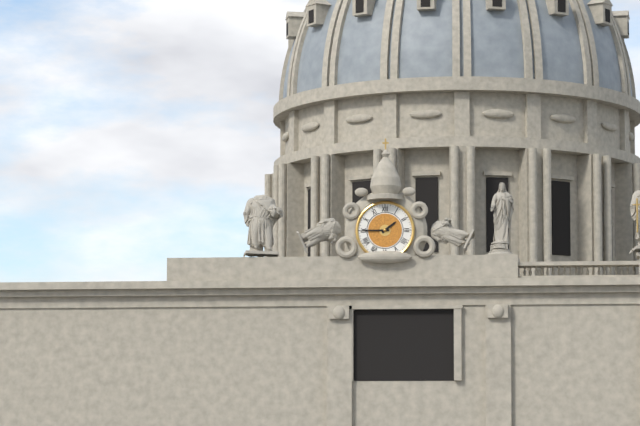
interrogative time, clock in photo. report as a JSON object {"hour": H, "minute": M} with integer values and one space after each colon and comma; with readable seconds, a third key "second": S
{"hour": 1, "minute": 45}
